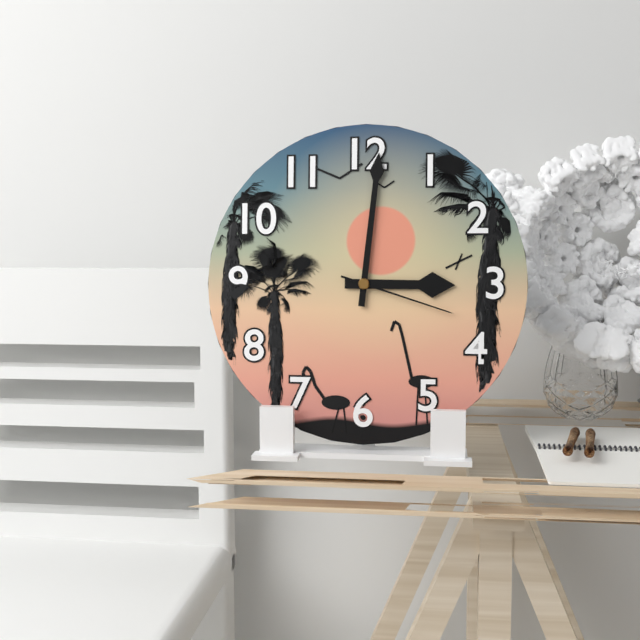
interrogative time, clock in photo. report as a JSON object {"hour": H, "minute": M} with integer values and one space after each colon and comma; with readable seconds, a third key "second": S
{"hour": 3, "minute": 1, "second": 18}
